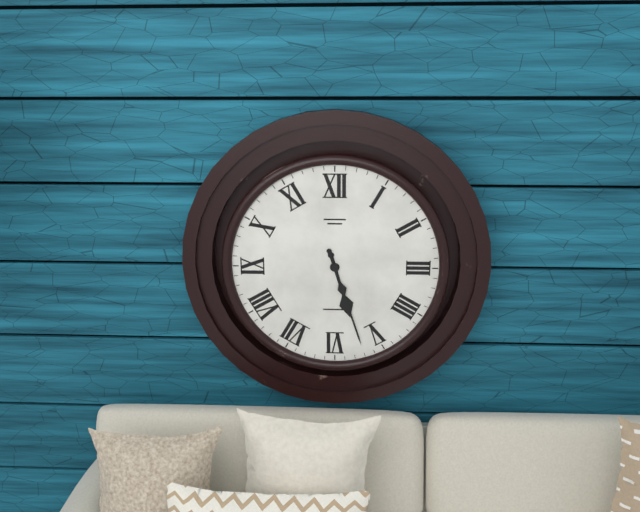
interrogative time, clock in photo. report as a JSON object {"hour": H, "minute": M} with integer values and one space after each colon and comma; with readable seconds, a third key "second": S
{"hour": 5, "minute": 27}
